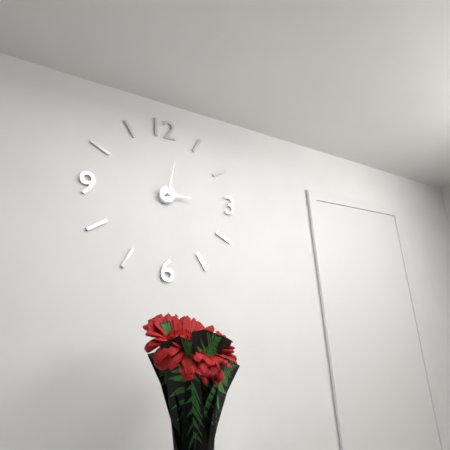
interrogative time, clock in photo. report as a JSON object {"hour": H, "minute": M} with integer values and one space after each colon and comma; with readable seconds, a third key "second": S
{"hour": 3, "minute": 2}
